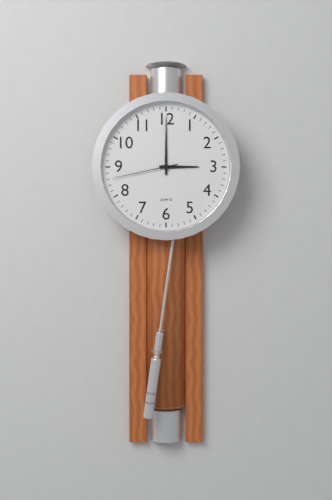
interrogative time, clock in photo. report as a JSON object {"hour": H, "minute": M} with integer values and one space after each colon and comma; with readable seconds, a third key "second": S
{"hour": 3, "minute": 0, "second": 43}
